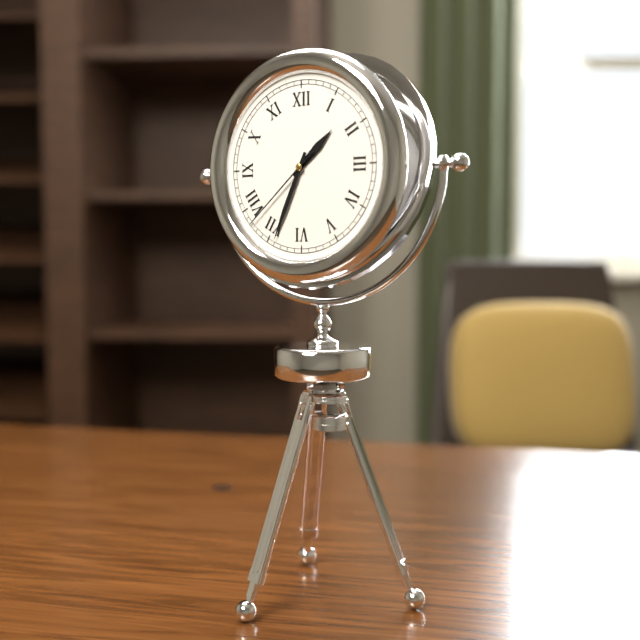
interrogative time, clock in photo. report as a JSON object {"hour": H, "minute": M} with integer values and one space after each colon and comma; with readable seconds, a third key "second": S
{"hour": 1, "minute": 34, "second": 38}
